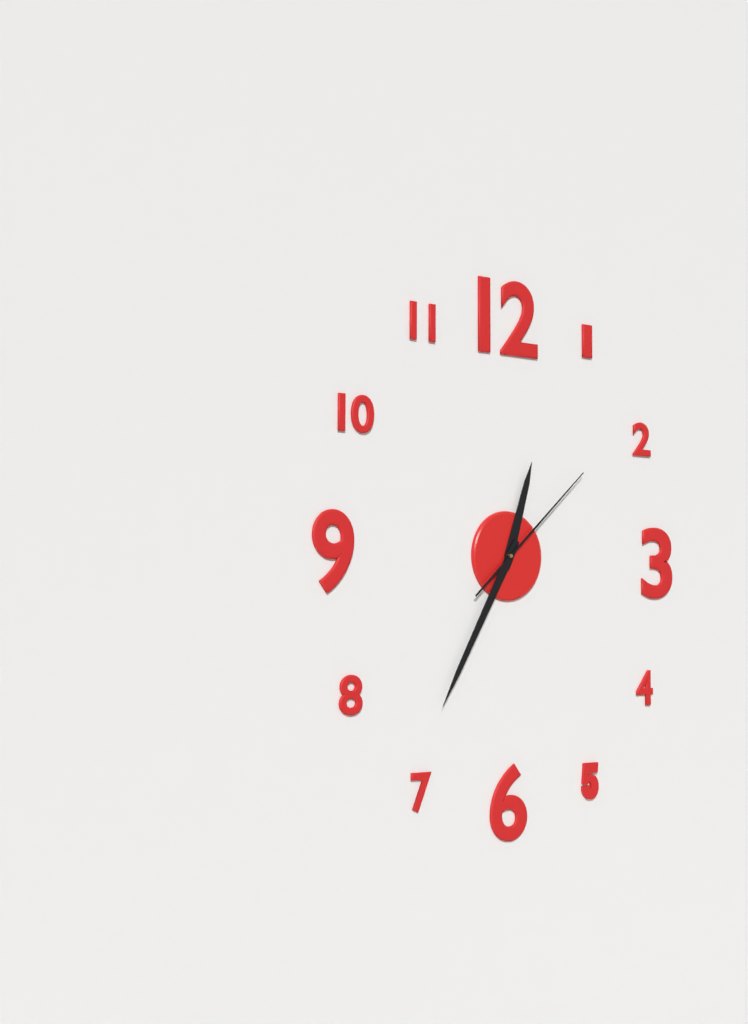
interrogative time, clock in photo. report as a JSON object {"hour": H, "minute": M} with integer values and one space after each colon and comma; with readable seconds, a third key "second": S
{"hour": 12, "minute": 35, "second": 8}
